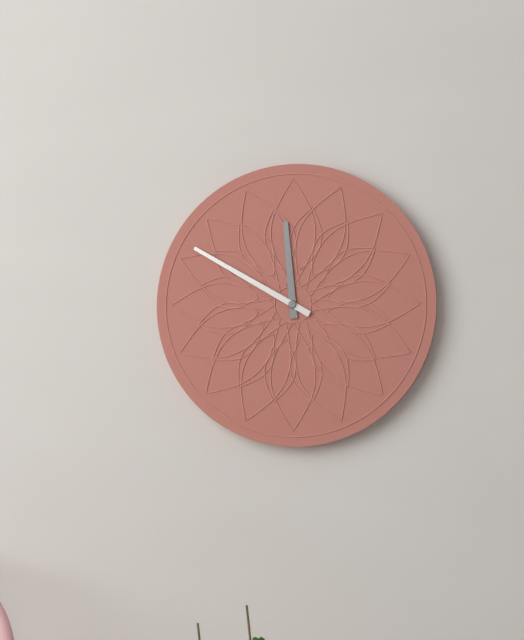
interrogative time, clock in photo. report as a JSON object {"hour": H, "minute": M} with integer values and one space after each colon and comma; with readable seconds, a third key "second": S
{"hour": 11, "minute": 50}
